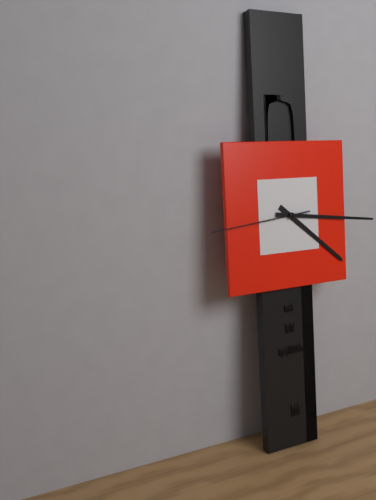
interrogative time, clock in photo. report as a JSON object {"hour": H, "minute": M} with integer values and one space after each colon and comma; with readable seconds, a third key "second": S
{"hour": 4, "minute": 16, "second": 44}
